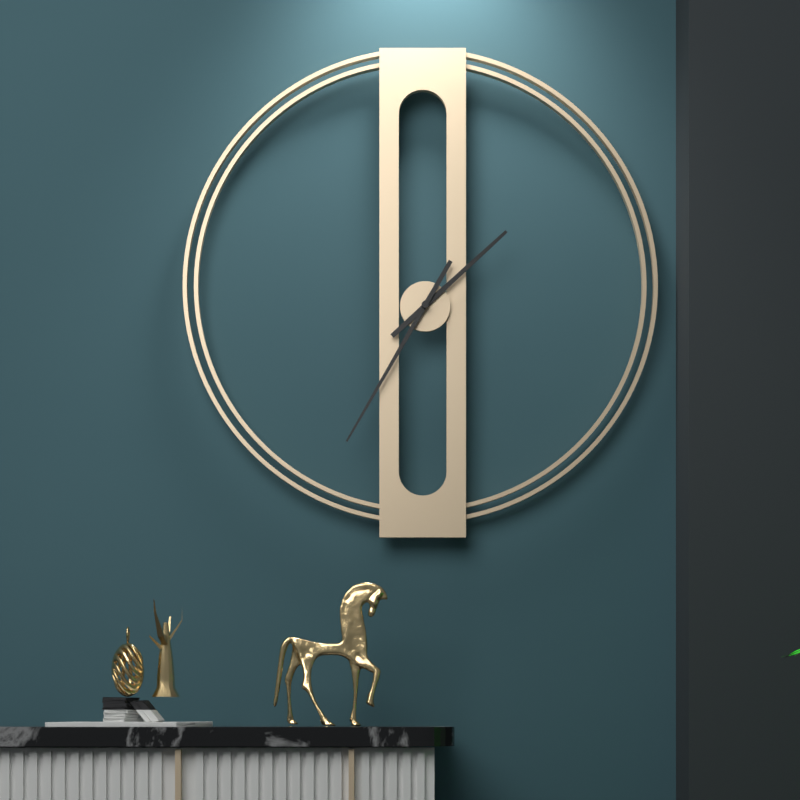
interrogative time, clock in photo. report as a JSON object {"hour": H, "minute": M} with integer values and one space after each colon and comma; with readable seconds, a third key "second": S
{"hour": 1, "minute": 35}
